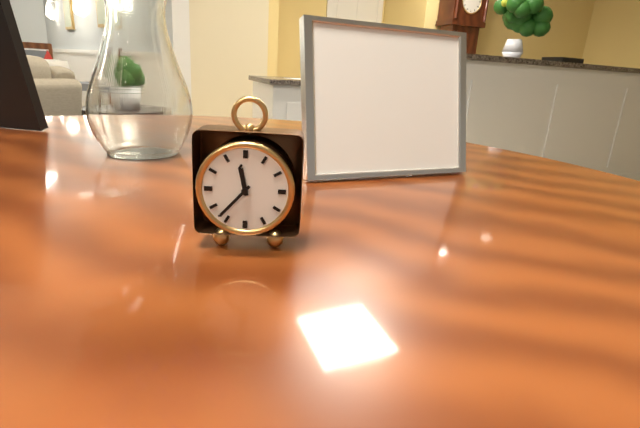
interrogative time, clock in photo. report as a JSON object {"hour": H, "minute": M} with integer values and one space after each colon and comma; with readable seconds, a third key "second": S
{"hour": 11, "minute": 37}
